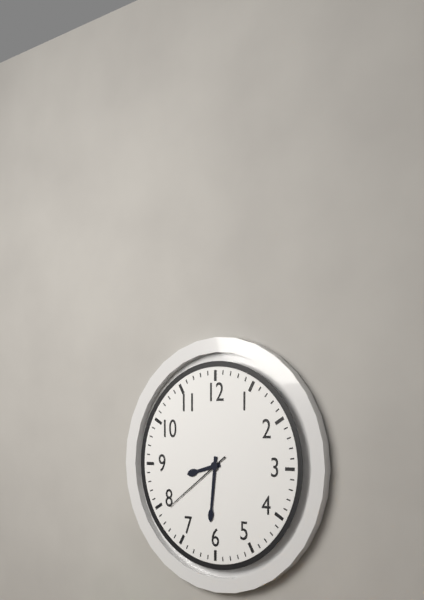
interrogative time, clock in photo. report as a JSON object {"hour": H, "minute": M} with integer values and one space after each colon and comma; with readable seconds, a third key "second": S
{"hour": 8, "minute": 31, "second": 39}
